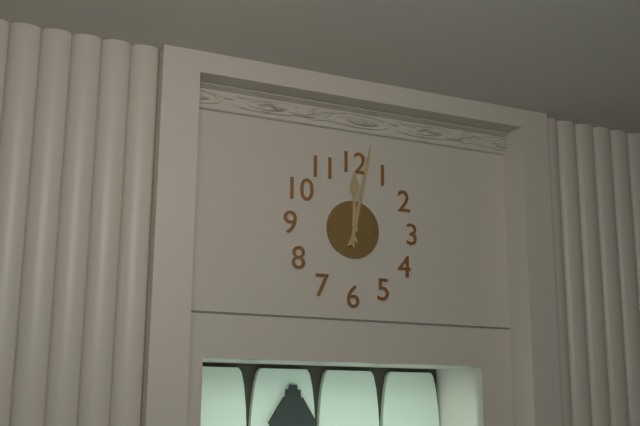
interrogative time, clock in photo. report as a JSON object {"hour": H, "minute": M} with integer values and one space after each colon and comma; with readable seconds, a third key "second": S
{"hour": 12, "minute": 2}
